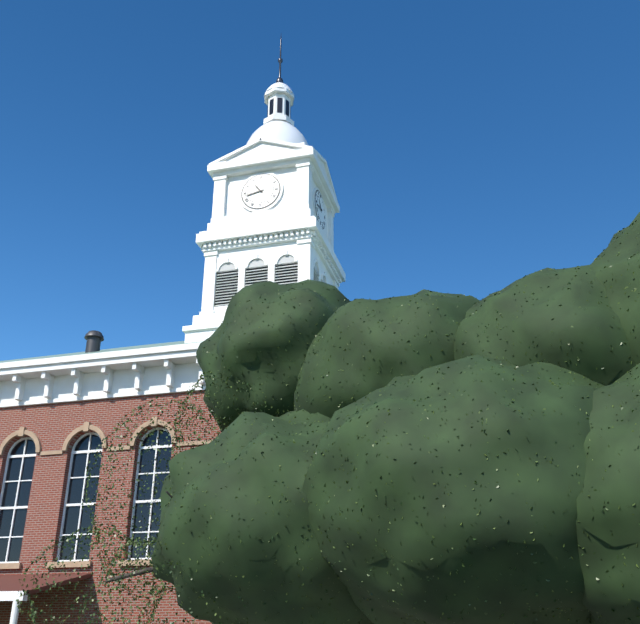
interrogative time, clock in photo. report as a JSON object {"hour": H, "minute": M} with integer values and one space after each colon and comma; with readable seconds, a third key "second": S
{"hour": 10, "minute": 43}
